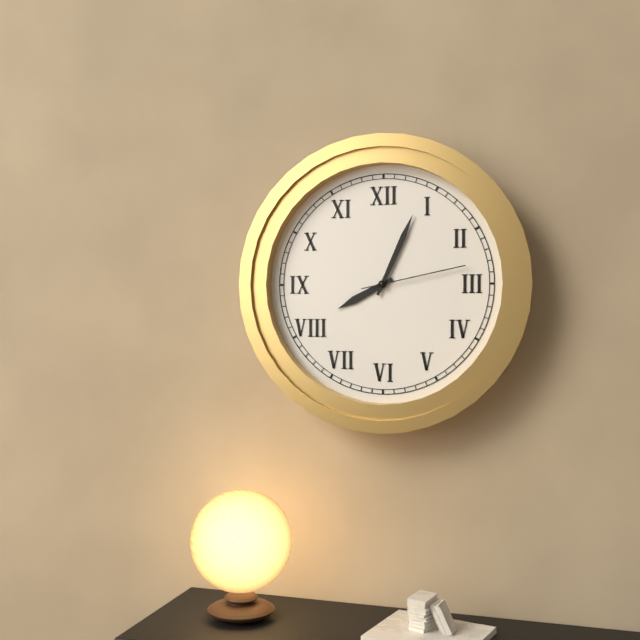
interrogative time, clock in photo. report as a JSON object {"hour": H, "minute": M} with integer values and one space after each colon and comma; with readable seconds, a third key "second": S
{"hour": 8, "minute": 4, "second": 13}
